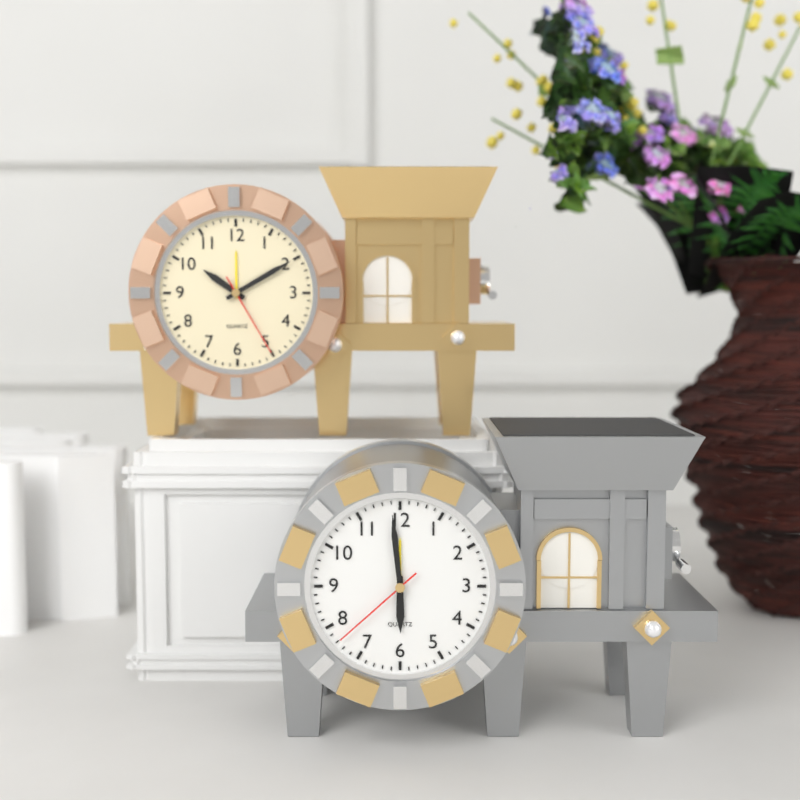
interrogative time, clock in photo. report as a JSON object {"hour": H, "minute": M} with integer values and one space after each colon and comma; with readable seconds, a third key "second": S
{"hour": 5, "minute": 59, "second": 38}
